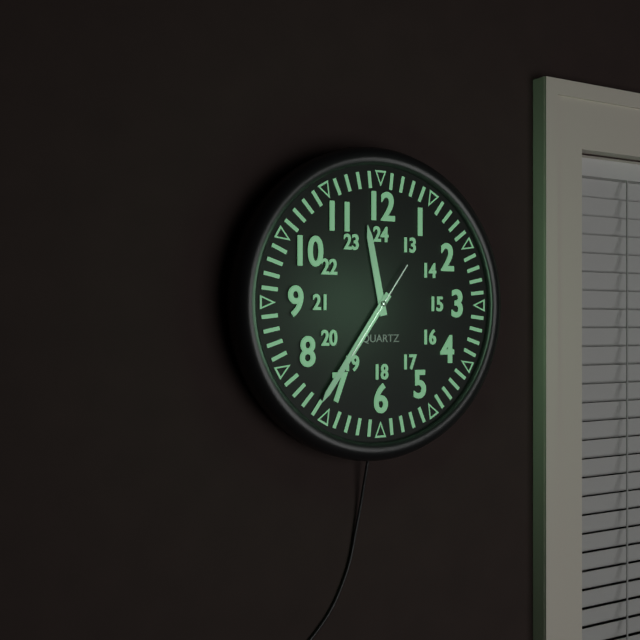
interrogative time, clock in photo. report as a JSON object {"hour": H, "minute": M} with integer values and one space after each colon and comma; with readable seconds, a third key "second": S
{"hour": 11, "minute": 36, "second": 36}
